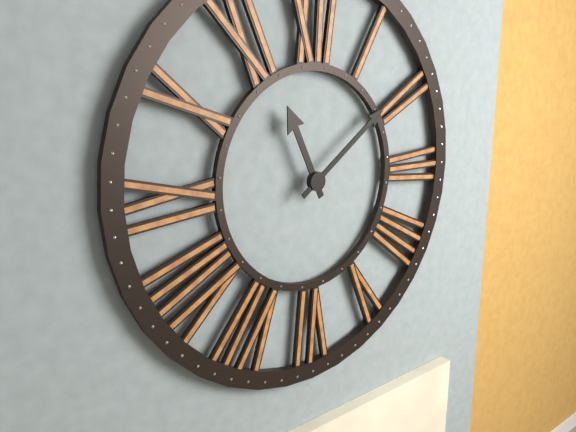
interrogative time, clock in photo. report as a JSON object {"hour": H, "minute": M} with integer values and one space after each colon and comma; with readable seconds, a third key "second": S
{"hour": 11, "minute": 9}
